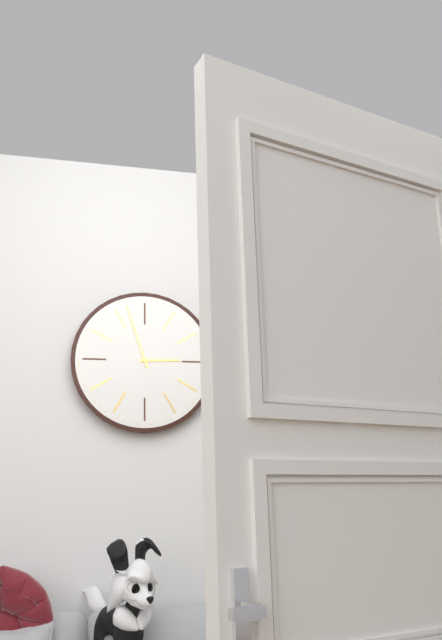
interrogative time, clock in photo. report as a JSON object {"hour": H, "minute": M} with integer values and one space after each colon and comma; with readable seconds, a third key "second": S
{"hour": 2, "minute": 57}
